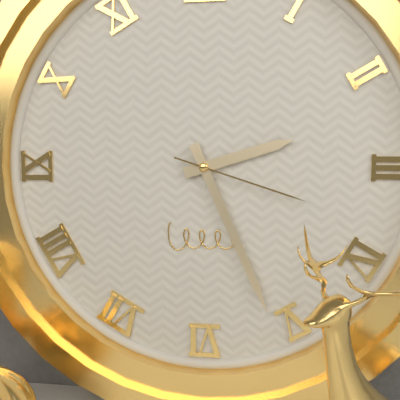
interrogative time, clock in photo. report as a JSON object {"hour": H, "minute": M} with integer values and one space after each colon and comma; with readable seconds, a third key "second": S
{"hour": 2, "minute": 26, "second": 18}
